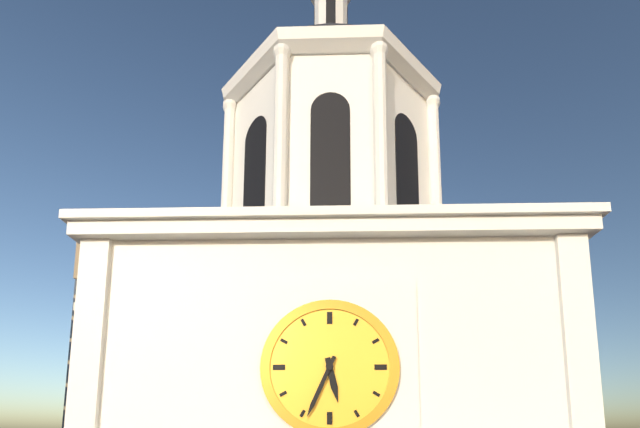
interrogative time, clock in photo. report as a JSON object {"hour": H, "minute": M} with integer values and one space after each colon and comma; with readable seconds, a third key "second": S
{"hour": 5, "minute": 34}
